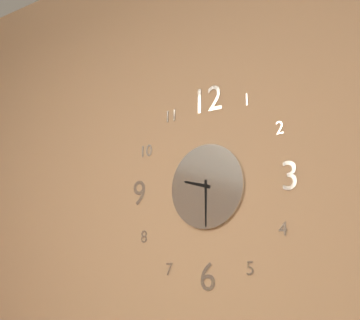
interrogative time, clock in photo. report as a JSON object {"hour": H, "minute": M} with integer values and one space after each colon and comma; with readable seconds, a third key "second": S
{"hour": 9, "minute": 30}
